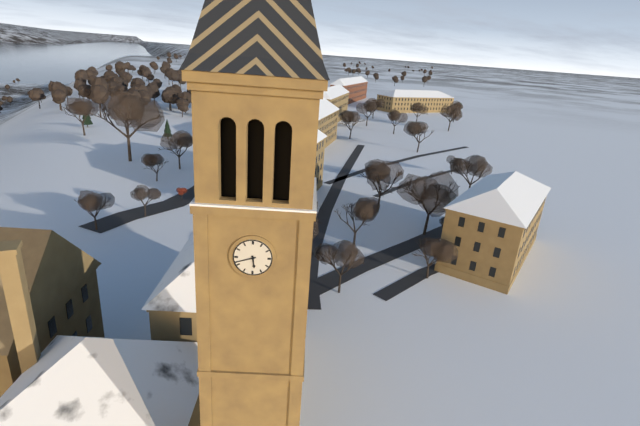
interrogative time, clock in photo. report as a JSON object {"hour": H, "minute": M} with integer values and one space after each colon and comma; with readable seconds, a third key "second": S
{"hour": 5, "minute": 42}
